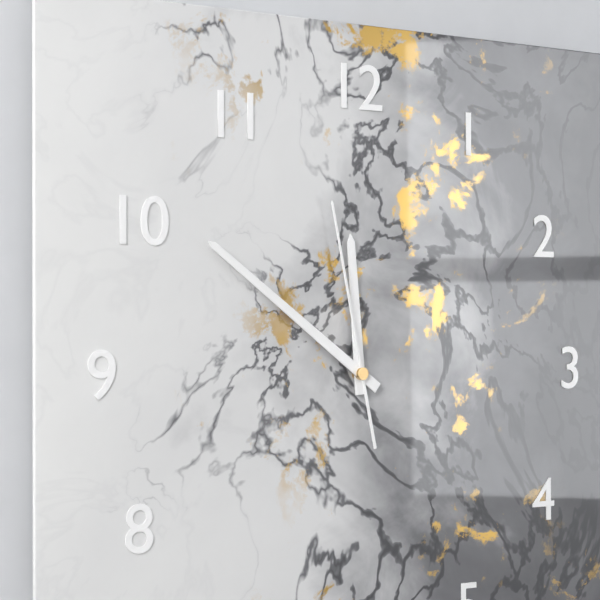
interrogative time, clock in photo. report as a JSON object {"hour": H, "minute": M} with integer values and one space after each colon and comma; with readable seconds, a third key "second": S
{"hour": 11, "minute": 51, "second": 58}
